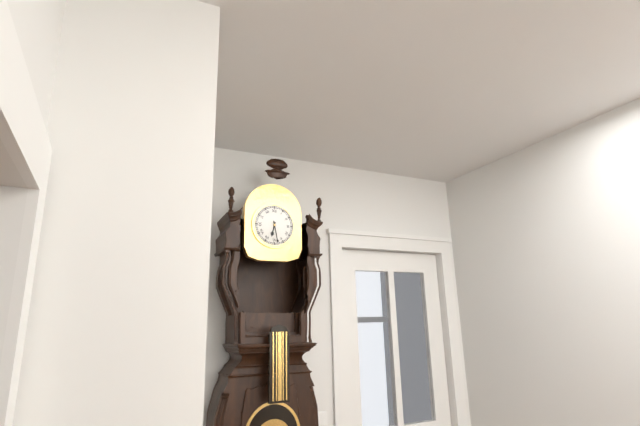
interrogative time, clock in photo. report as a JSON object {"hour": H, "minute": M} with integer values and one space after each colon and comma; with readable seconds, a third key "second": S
{"hour": 6, "minute": 28}
